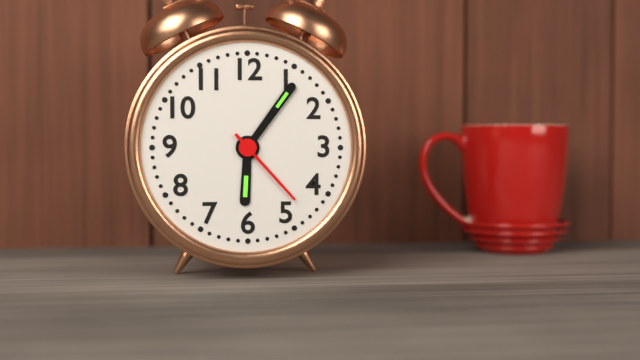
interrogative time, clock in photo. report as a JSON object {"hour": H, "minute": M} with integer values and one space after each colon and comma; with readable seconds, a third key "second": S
{"hour": 6, "minute": 6, "second": 23}
